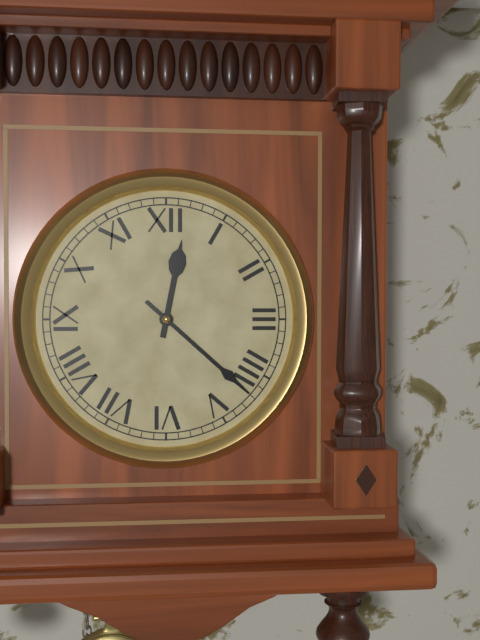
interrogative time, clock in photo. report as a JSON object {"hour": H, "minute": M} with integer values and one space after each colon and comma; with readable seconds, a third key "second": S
{"hour": 12, "minute": 22}
